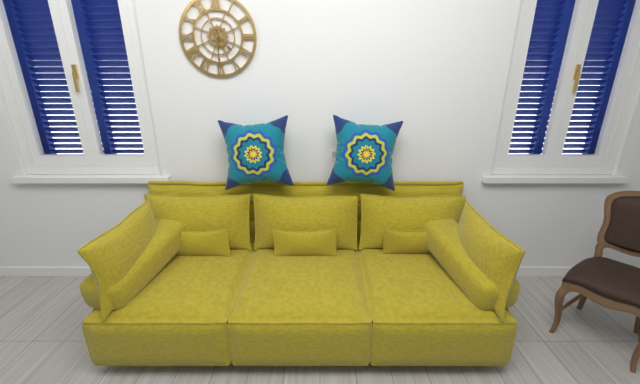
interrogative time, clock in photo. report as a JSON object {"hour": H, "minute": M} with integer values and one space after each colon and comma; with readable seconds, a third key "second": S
{"hour": 4, "minute": 30}
